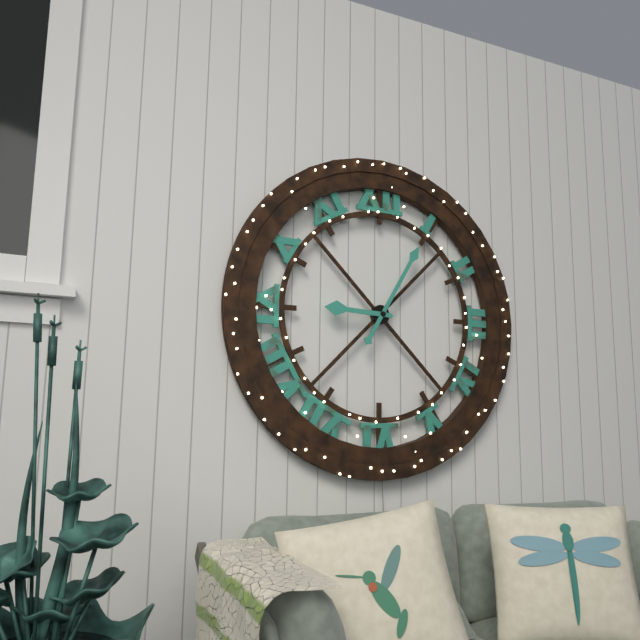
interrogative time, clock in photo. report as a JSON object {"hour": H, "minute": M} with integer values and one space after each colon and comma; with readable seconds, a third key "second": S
{"hour": 9, "minute": 5}
